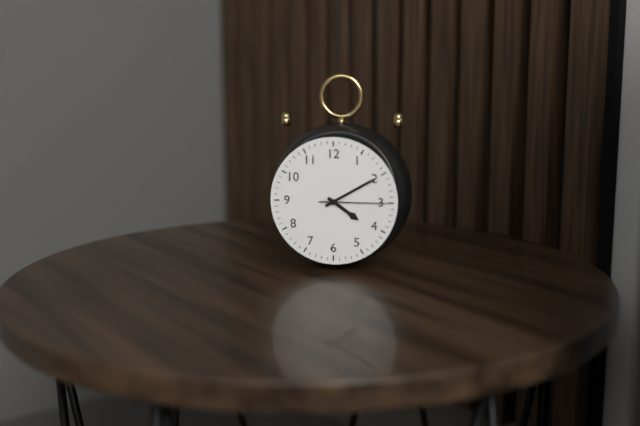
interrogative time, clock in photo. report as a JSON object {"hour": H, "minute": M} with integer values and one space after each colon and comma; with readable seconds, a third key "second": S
{"hour": 4, "minute": 10, "second": 15}
